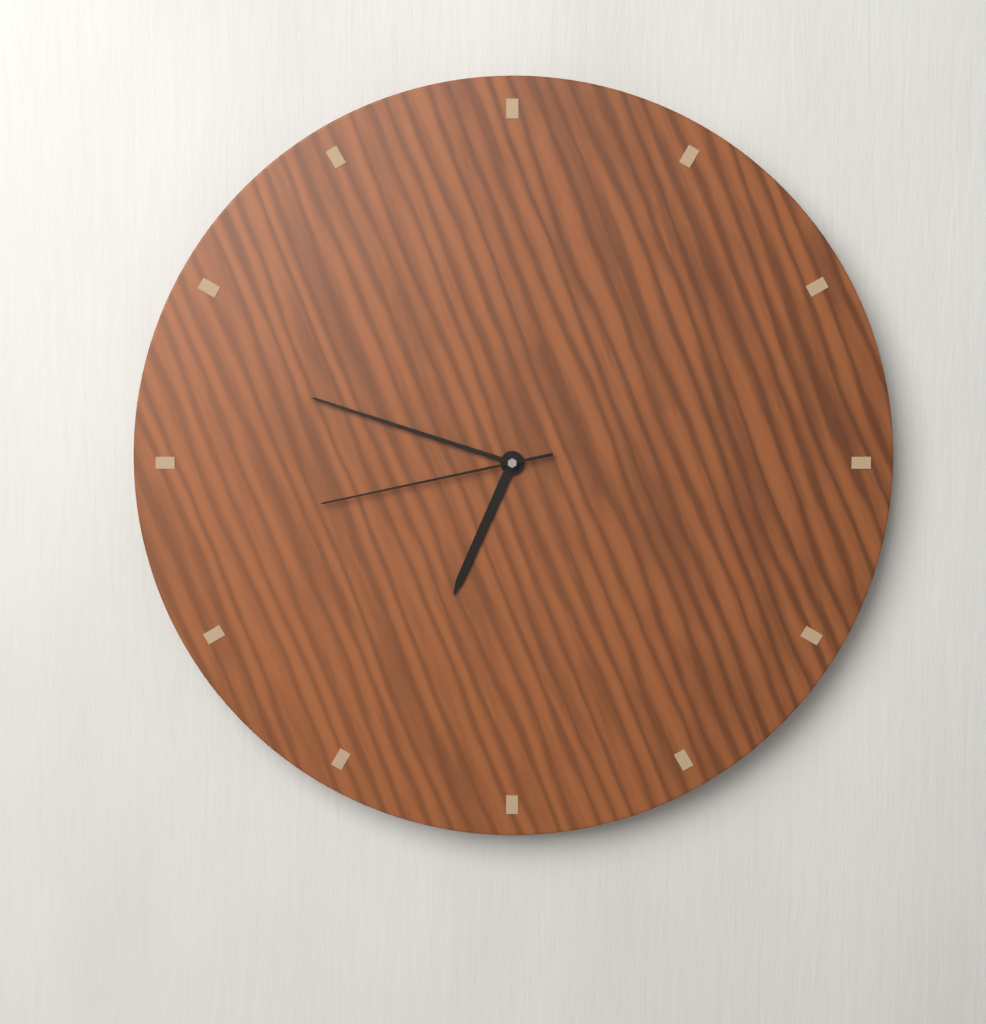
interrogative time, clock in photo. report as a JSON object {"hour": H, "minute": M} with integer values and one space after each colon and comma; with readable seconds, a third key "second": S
{"hour": 6, "minute": 48, "second": 43}
